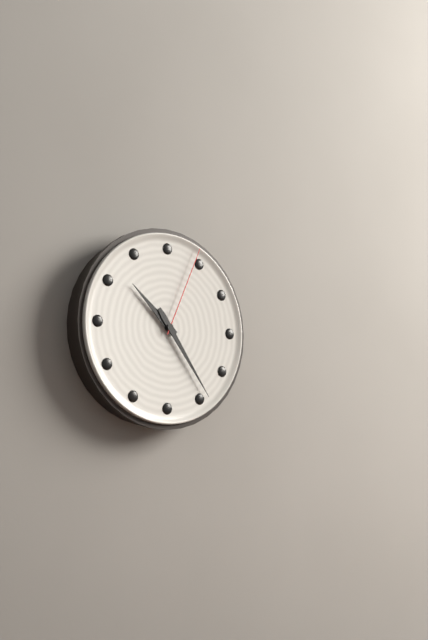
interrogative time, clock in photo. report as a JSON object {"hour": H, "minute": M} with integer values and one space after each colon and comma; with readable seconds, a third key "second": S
{"hour": 10, "minute": 24, "second": 4}
